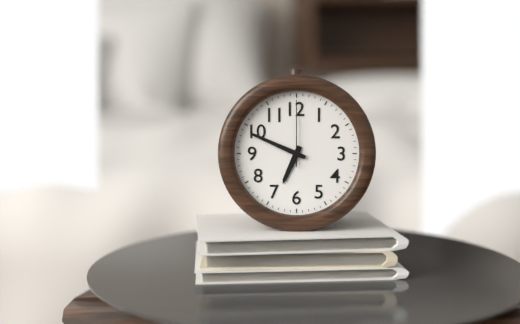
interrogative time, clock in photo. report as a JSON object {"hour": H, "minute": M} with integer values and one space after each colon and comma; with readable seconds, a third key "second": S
{"hour": 6, "minute": 49, "second": 0}
